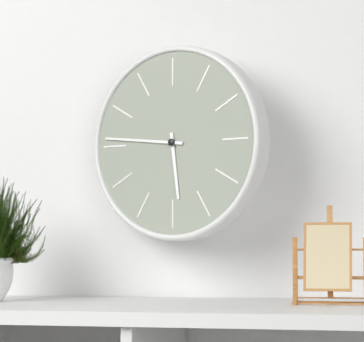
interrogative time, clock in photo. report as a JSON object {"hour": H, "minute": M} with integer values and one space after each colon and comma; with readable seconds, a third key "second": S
{"hour": 5, "minute": 46}
